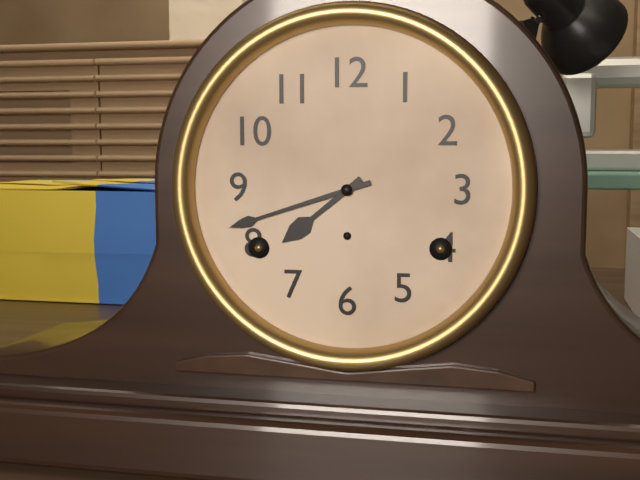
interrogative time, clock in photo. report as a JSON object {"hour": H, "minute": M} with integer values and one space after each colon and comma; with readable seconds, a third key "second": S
{"hour": 7, "minute": 42}
